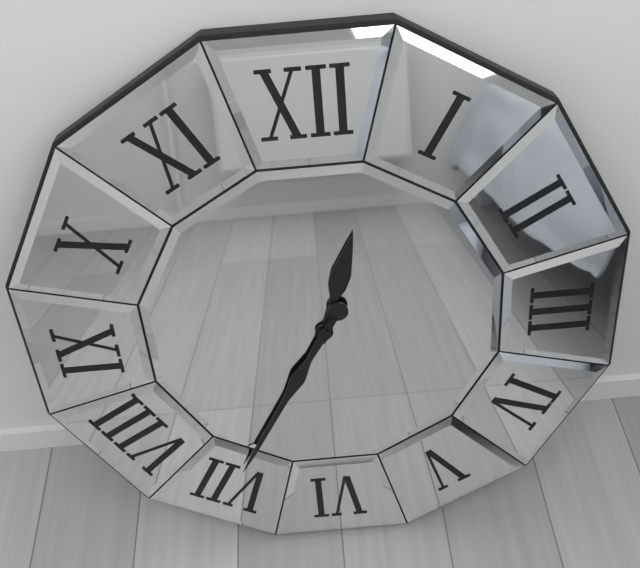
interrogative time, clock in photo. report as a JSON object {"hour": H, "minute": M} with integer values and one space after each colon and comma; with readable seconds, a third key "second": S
{"hour": 12, "minute": 35}
